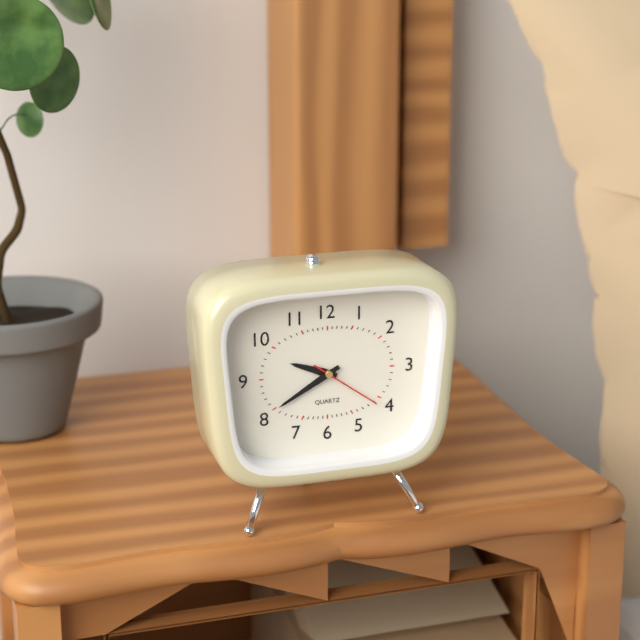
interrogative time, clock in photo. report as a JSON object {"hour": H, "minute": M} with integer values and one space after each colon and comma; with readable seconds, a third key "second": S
{"hour": 9, "minute": 40, "second": 21}
